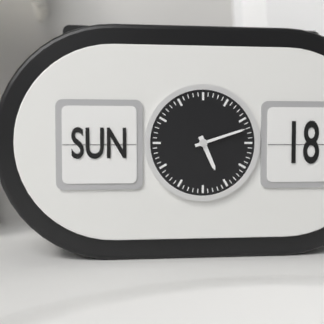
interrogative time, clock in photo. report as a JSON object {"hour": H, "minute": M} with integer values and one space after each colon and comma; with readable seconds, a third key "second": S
{"hour": 5, "minute": 12}
